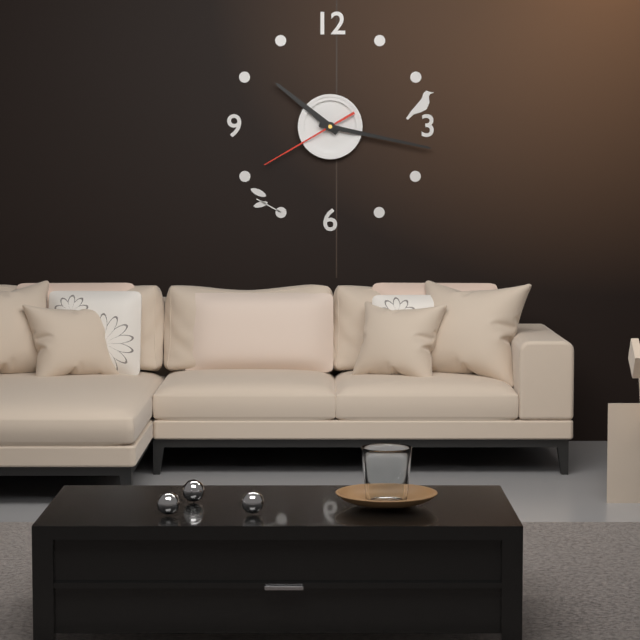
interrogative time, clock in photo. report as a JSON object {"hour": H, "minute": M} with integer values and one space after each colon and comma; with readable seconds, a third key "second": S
{"hour": 10, "minute": 17, "second": 40}
